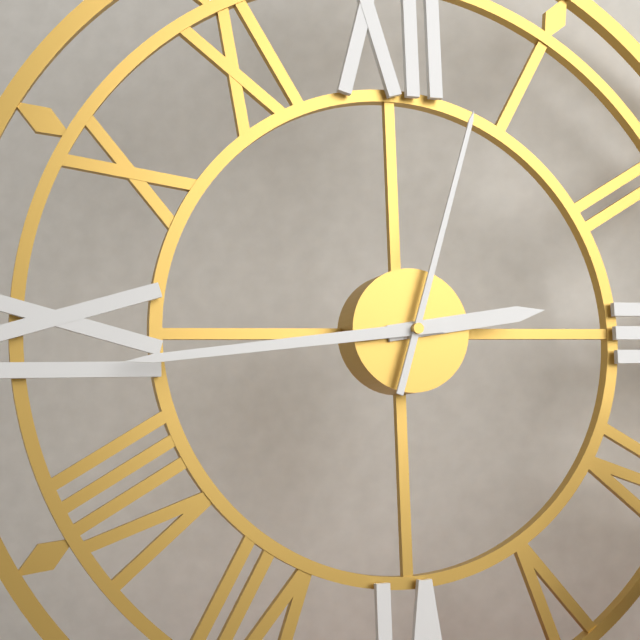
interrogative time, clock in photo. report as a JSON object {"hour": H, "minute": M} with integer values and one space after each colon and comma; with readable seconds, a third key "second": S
{"hour": 2, "minute": 44, "second": 3}
